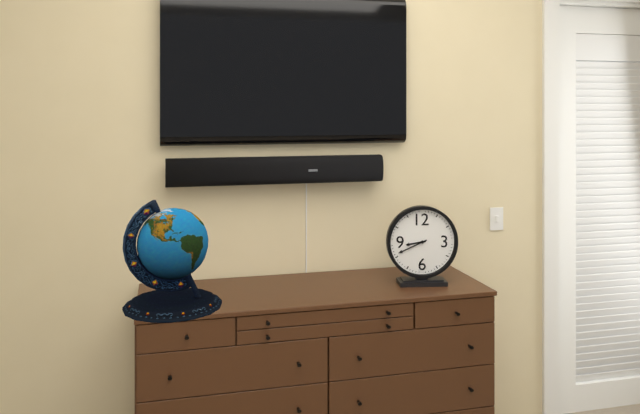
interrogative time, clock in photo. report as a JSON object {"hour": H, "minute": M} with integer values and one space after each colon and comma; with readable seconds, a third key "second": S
{"hour": 8, "minute": 41}
